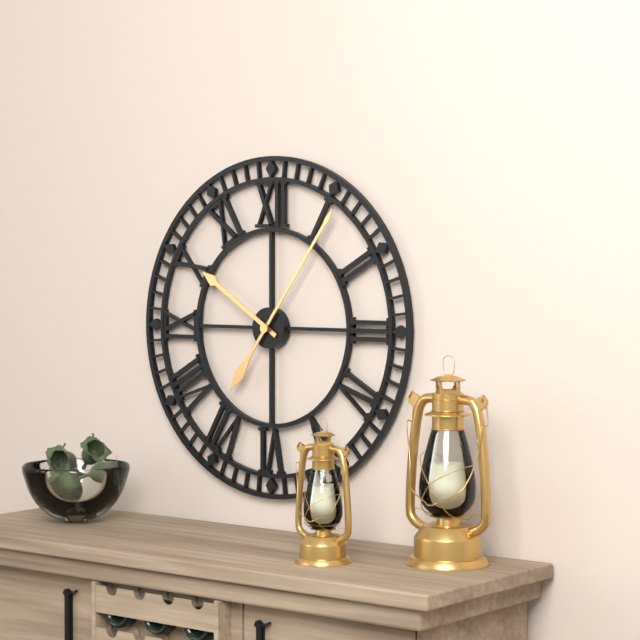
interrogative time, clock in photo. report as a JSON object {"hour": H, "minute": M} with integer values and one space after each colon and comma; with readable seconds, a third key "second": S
{"hour": 10, "minute": 6}
